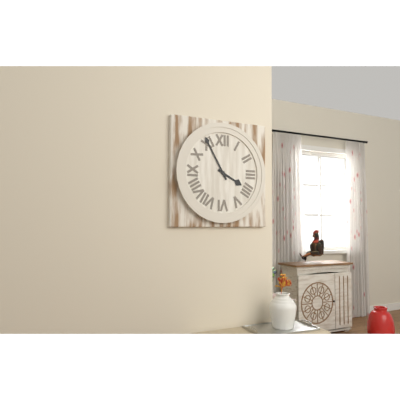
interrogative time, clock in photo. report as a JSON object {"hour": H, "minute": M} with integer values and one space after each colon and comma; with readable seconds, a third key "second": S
{"hour": 3, "minute": 55}
